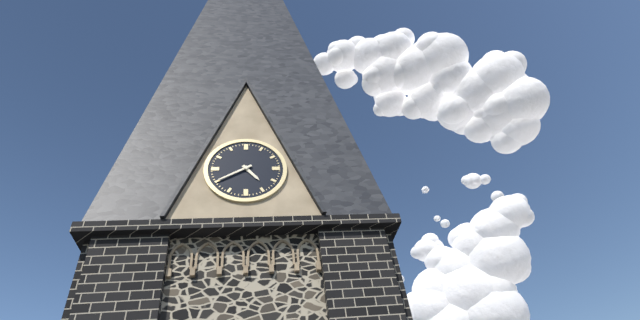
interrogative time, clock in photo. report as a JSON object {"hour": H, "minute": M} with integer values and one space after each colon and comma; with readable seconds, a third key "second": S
{"hour": 4, "minute": 40}
